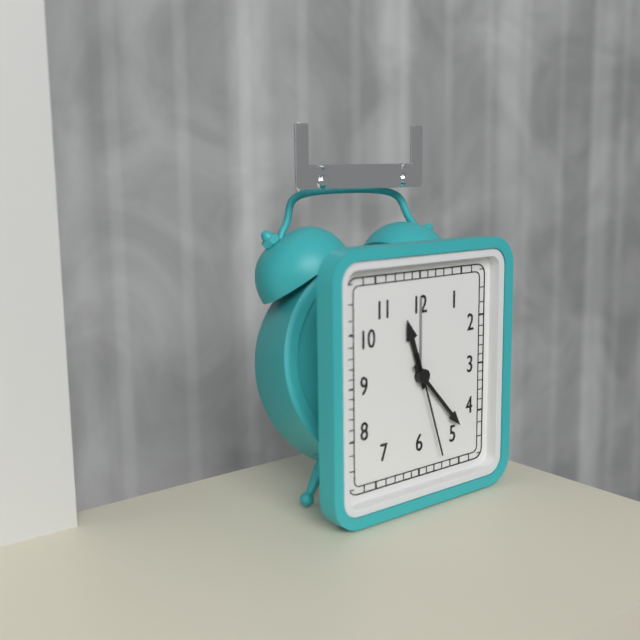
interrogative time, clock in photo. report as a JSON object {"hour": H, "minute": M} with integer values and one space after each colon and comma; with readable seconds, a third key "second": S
{"hour": 11, "minute": 23, "second": 27}
